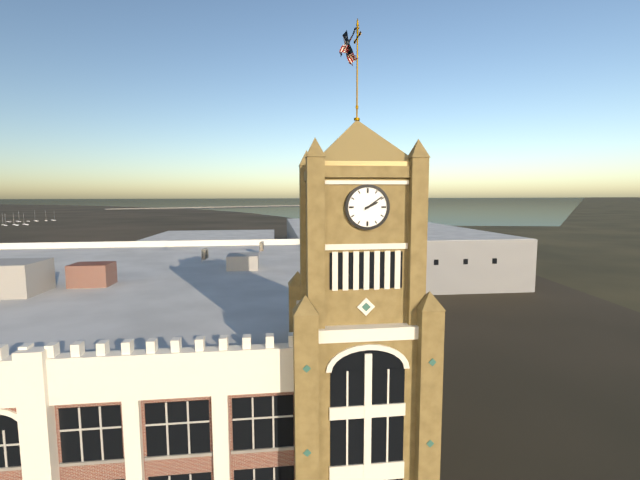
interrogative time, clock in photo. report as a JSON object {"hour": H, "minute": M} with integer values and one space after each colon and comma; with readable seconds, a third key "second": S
{"hour": 2, "minute": 9}
